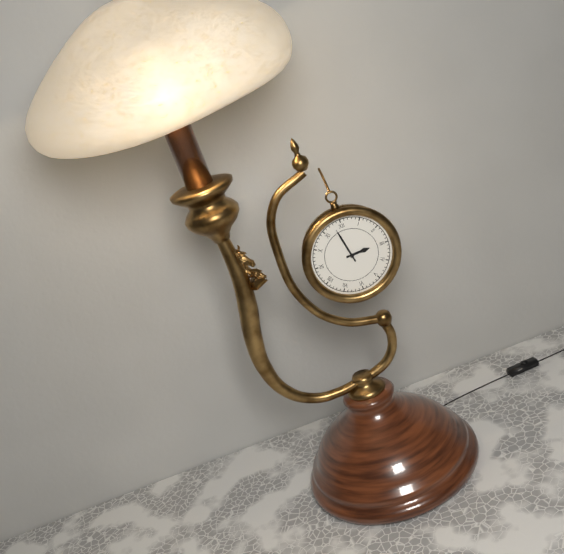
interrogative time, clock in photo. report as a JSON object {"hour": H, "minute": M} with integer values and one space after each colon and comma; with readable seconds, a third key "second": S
{"hour": 2, "minute": 58}
